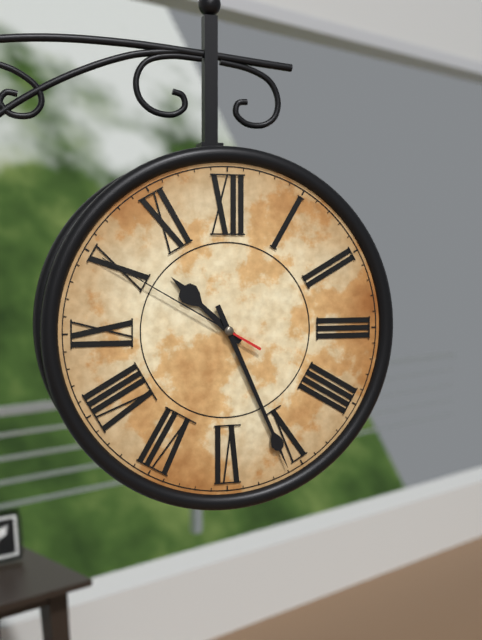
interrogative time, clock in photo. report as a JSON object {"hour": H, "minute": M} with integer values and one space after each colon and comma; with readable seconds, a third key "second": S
{"hour": 10, "minute": 26, "second": 50}
